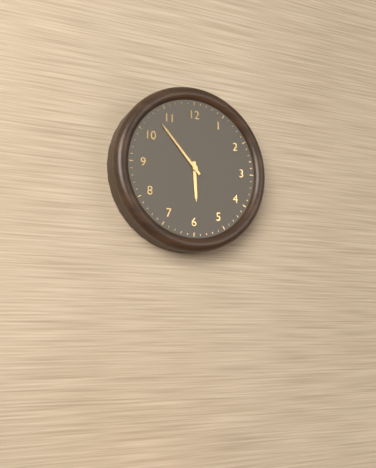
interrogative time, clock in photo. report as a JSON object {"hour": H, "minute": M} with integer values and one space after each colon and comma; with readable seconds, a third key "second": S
{"hour": 5, "minute": 53}
